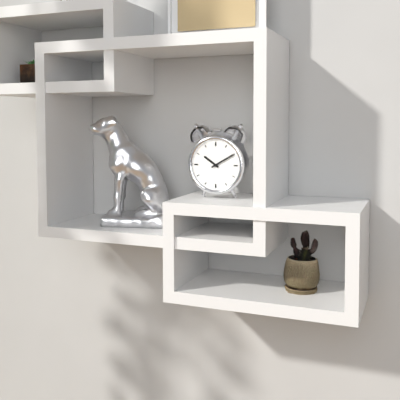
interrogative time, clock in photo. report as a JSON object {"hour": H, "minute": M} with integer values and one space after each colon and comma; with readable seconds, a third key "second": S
{"hour": 10, "minute": 10}
